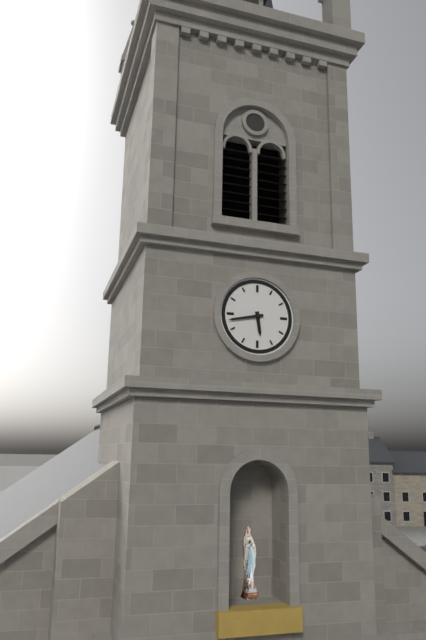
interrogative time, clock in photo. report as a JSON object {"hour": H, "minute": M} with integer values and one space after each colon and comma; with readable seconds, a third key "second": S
{"hour": 5, "minute": 43}
